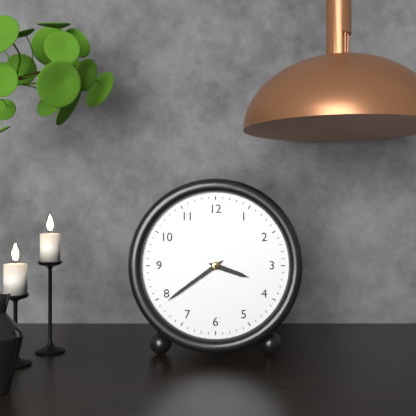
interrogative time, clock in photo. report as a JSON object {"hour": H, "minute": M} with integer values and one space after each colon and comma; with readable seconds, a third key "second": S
{"hour": 3, "minute": 39}
